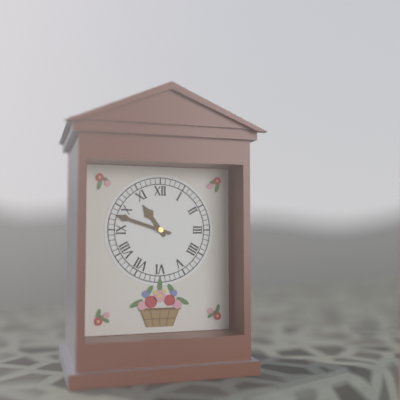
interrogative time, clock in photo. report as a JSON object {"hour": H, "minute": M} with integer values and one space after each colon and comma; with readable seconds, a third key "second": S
{"hour": 10, "minute": 48}
